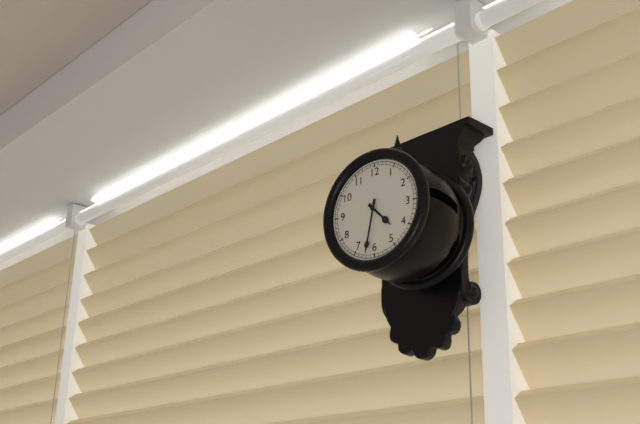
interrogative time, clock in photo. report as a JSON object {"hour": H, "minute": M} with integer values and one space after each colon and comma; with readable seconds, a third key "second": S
{"hour": 4, "minute": 32}
